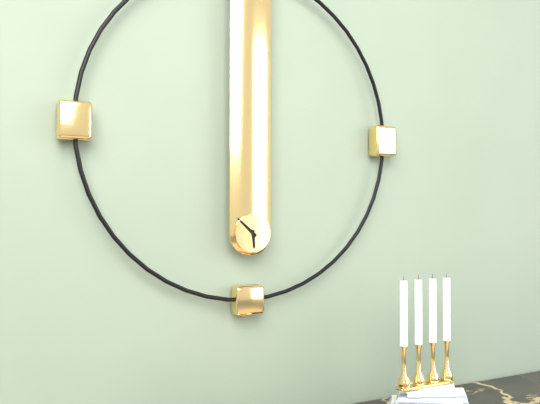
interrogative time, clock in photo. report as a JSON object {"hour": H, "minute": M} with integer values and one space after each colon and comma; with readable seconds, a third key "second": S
{"hour": 5, "minute": 52}
